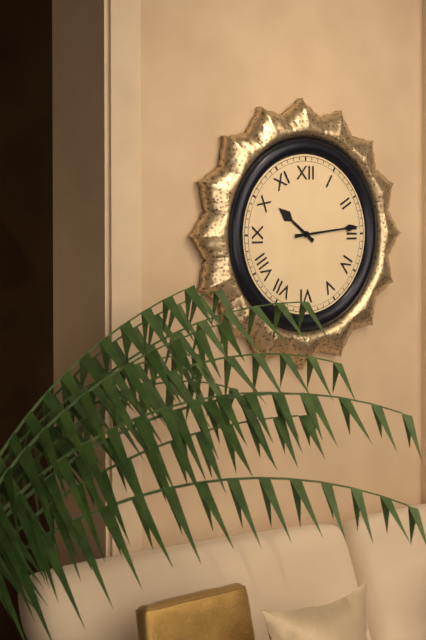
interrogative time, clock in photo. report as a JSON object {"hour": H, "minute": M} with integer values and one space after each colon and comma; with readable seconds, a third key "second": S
{"hour": 10, "minute": 14}
